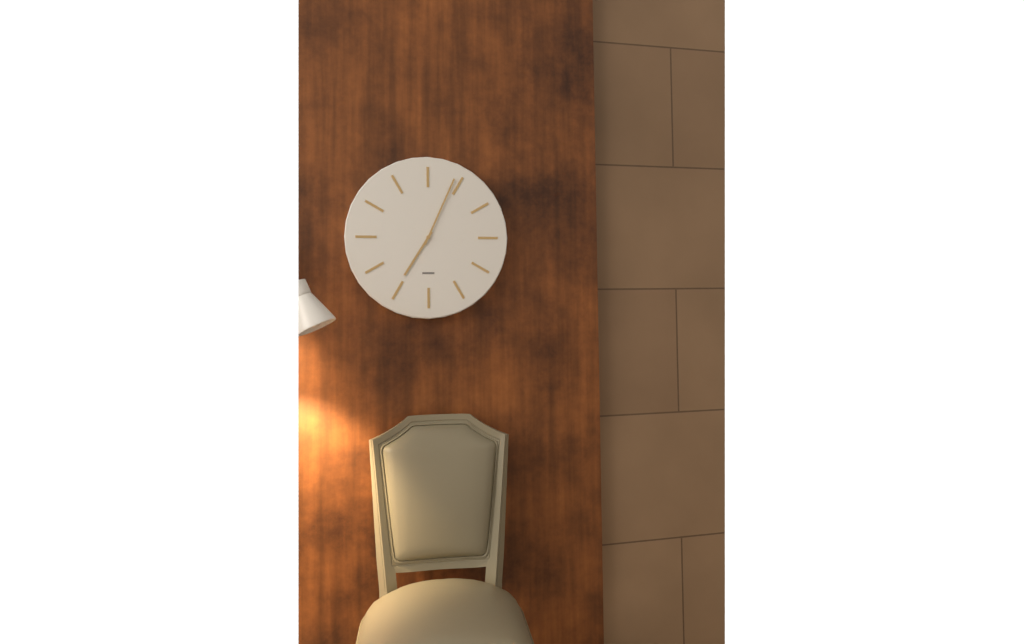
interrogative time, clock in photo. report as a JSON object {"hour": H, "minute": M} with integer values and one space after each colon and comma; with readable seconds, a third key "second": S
{"hour": 7, "minute": 4}
